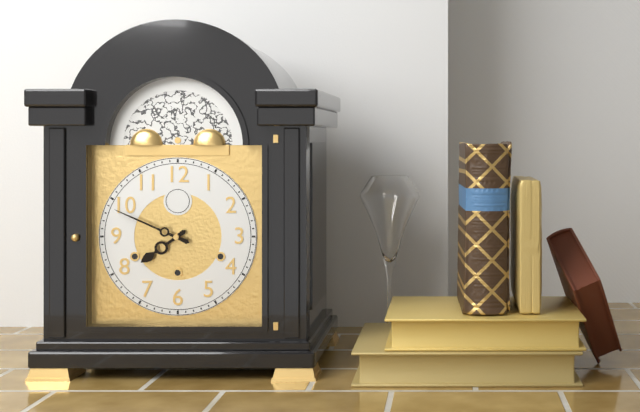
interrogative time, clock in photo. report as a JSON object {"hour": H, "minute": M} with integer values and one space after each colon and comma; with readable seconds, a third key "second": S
{"hour": 7, "minute": 49}
